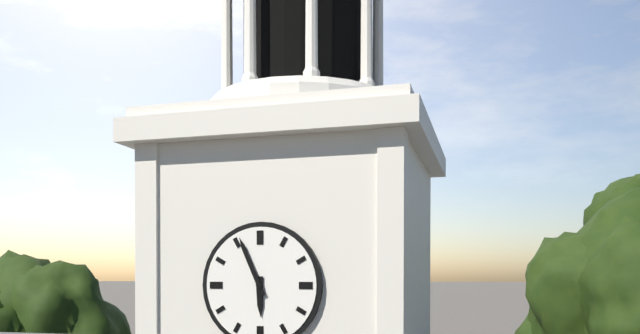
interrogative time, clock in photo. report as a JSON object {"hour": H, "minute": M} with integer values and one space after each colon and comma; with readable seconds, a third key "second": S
{"hour": 5, "minute": 56}
